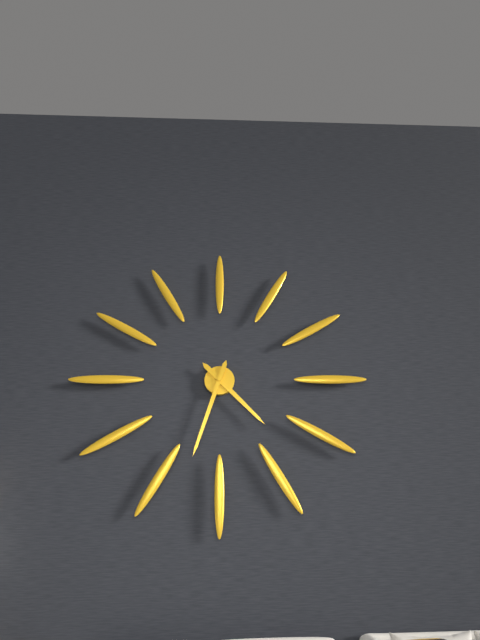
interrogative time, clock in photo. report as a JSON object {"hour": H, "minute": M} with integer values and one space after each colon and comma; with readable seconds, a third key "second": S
{"hour": 4, "minute": 33}
